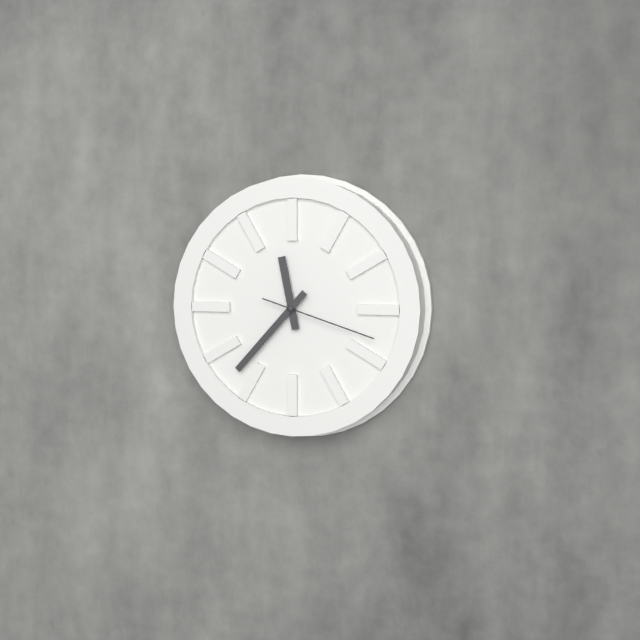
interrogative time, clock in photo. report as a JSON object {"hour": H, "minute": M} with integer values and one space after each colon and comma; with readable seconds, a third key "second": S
{"hour": 11, "minute": 37, "second": 18}
